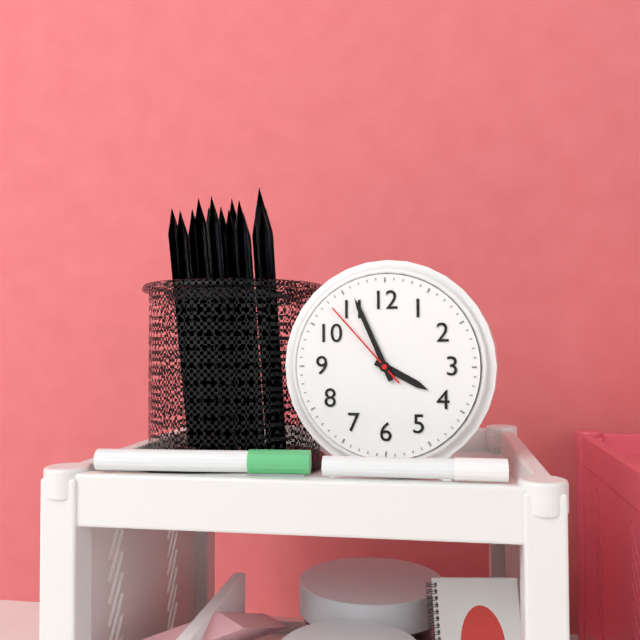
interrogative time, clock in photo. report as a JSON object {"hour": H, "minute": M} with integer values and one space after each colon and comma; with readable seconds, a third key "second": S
{"hour": 3, "minute": 56, "second": 53}
